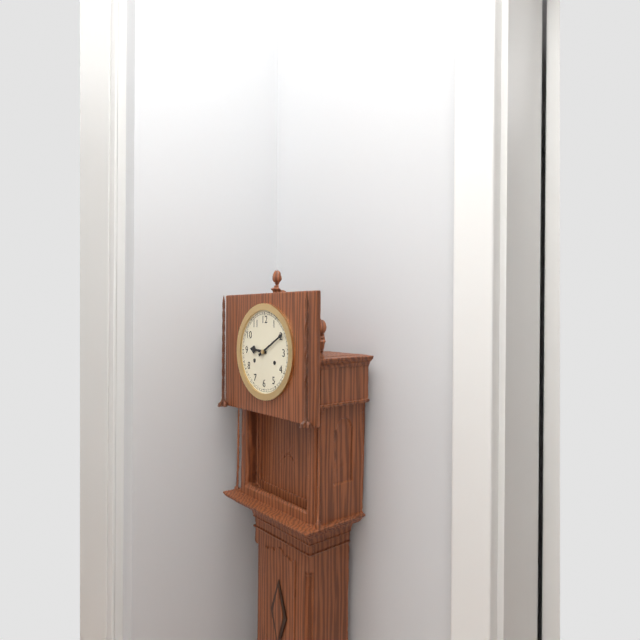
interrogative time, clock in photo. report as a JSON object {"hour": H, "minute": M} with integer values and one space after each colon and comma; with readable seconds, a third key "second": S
{"hour": 9, "minute": 10}
